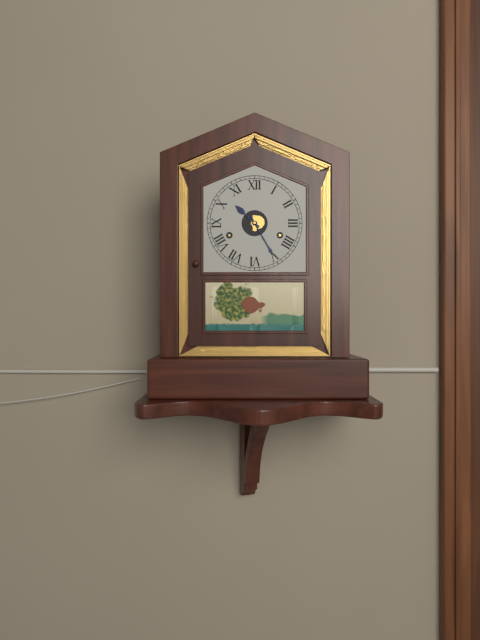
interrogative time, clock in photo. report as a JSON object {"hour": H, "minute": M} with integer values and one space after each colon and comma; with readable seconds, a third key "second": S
{"hour": 10, "minute": 25}
